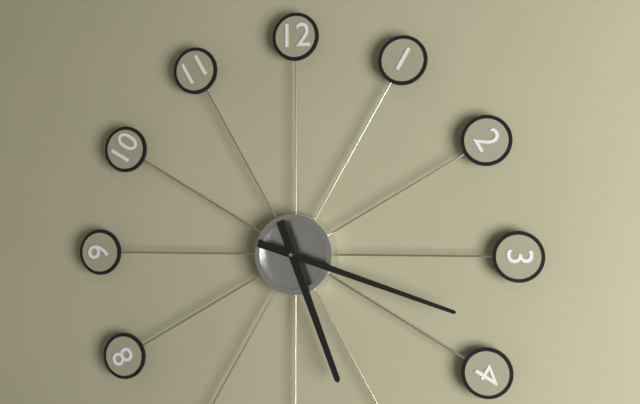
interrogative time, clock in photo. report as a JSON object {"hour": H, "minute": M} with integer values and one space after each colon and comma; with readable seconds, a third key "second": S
{"hour": 5, "minute": 18}
